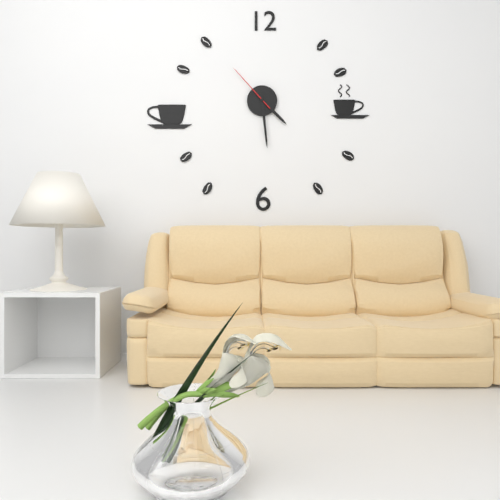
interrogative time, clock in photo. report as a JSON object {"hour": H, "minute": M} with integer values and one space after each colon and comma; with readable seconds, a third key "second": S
{"hour": 4, "minute": 29, "second": 53}
